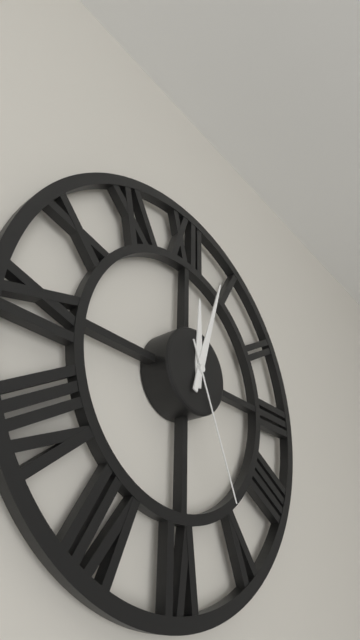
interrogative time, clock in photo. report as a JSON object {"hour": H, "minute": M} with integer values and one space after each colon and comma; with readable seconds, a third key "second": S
{"hour": 12, "minute": 3, "second": 26}
